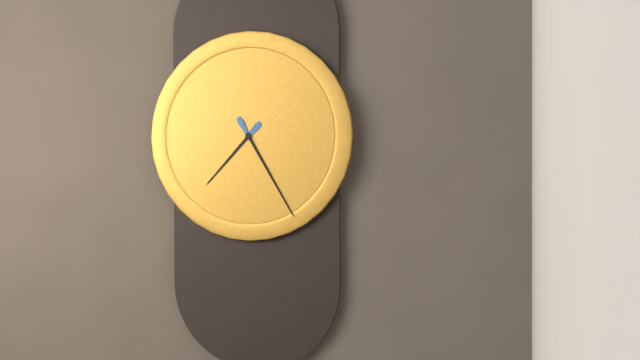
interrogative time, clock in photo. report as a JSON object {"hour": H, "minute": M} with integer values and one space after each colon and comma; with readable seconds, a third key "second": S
{"hour": 7, "minute": 25}
